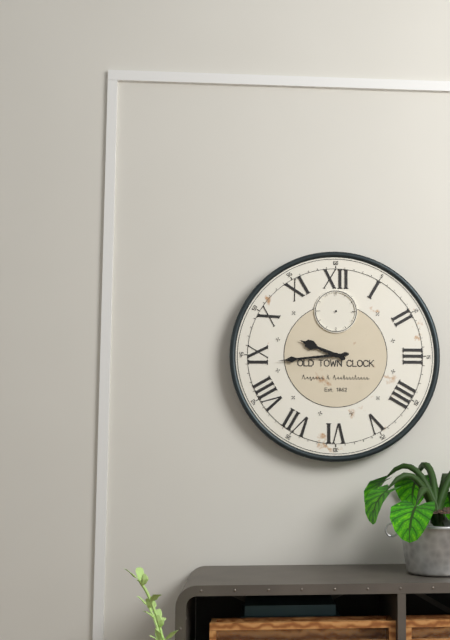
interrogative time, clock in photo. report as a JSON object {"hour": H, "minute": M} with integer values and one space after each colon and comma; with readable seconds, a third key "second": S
{"hour": 9, "minute": 44}
